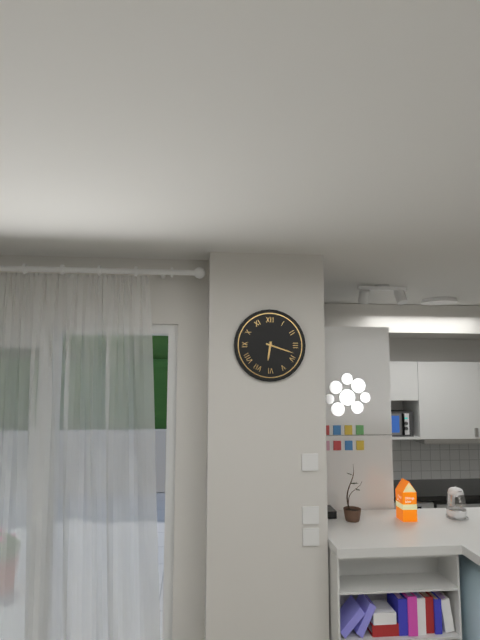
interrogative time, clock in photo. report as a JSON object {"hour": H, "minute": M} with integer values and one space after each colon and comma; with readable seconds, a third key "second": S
{"hour": 6, "minute": 18}
